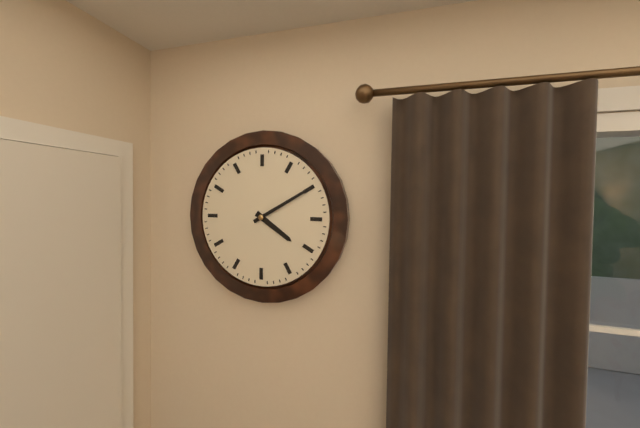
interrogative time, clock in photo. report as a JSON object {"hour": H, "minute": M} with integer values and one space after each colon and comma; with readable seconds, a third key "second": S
{"hour": 4, "minute": 10}
